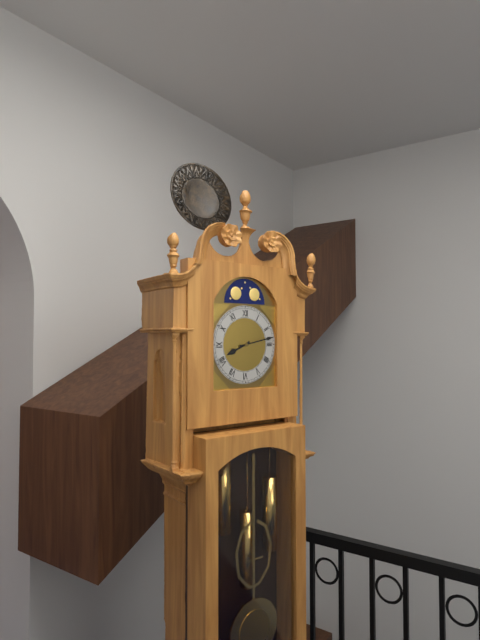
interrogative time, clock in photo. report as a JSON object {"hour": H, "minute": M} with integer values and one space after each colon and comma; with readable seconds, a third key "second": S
{"hour": 8, "minute": 13}
